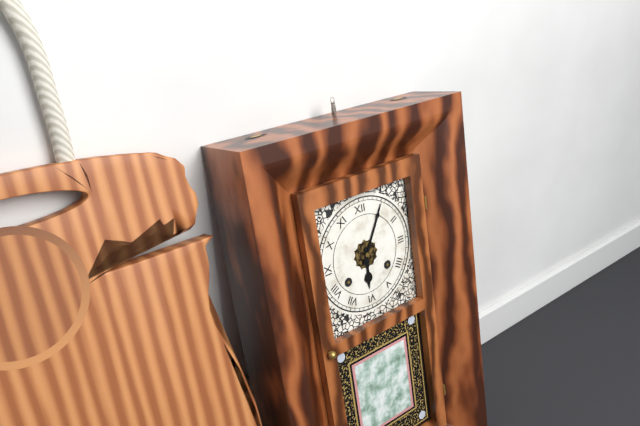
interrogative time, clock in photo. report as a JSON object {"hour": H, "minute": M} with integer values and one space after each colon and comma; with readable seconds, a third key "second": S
{"hour": 6, "minute": 5}
